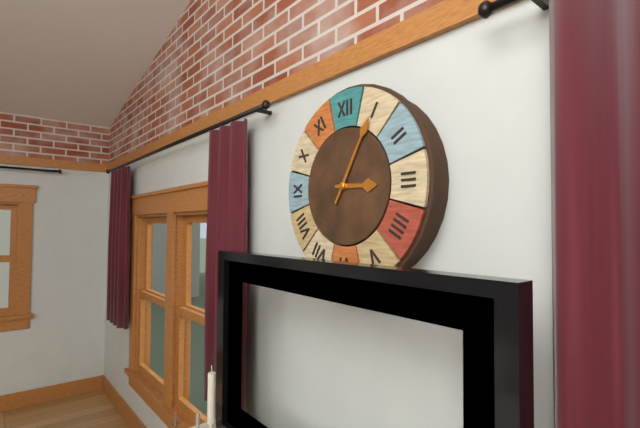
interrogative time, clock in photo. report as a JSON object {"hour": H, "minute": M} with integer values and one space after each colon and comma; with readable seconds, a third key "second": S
{"hour": 3, "minute": 5}
